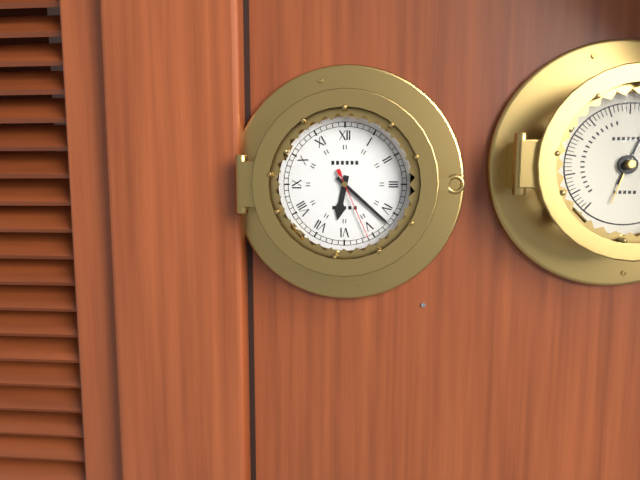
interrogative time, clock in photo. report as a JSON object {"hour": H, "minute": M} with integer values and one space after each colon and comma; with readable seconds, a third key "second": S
{"hour": 6, "minute": 22, "second": 26}
